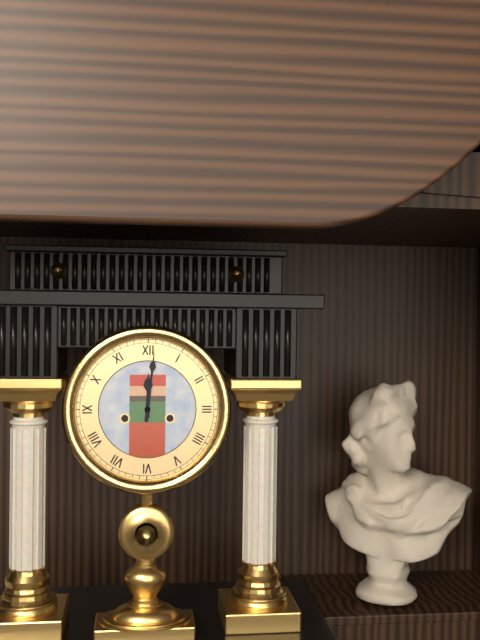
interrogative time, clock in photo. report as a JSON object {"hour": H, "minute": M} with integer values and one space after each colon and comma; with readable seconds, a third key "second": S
{"hour": 12, "minute": 1}
